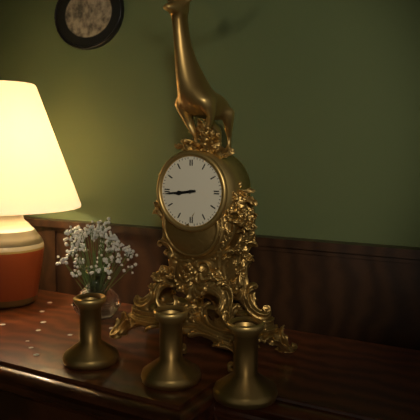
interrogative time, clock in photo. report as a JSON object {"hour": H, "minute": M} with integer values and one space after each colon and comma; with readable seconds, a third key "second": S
{"hour": 8, "minute": 44}
